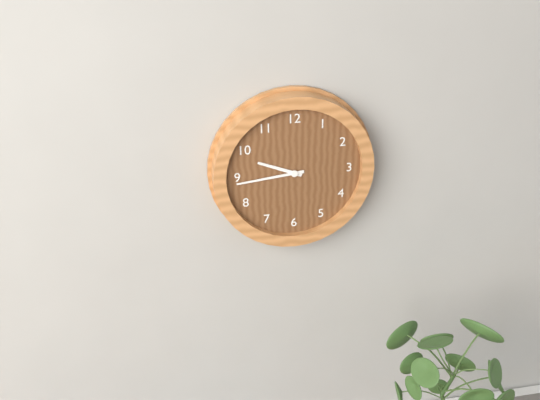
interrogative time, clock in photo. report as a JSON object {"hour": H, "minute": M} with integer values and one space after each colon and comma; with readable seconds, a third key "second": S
{"hour": 9, "minute": 44}
